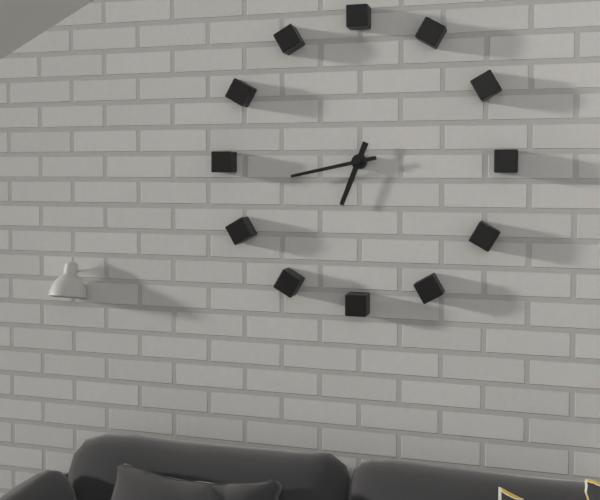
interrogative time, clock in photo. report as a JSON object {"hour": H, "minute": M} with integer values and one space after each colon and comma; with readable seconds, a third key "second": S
{"hour": 6, "minute": 43}
